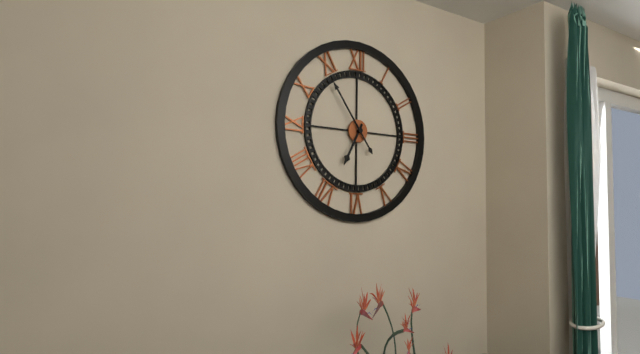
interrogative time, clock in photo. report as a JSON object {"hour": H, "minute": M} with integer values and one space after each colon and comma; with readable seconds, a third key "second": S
{"hour": 6, "minute": 54}
